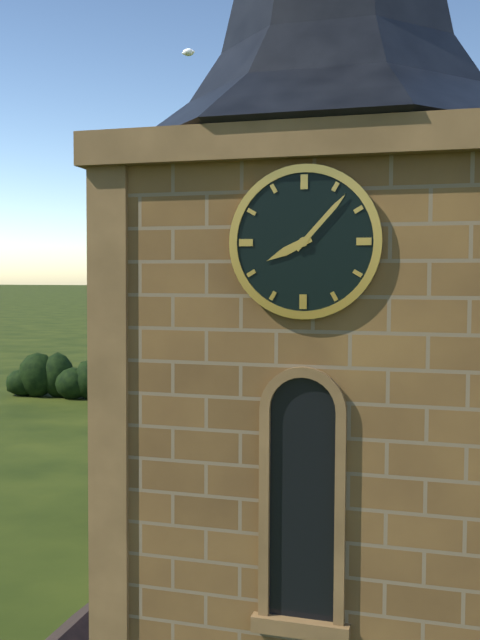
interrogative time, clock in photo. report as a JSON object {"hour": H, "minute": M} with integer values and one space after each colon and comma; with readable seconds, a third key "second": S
{"hour": 8, "minute": 7}
